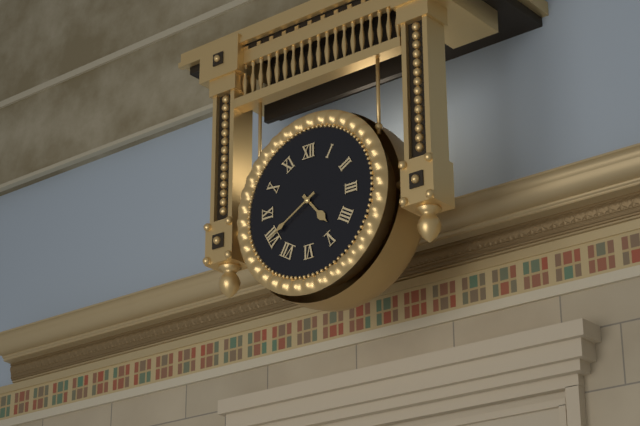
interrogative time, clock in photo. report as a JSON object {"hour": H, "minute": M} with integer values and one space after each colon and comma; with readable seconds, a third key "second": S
{"hour": 4, "minute": 40}
